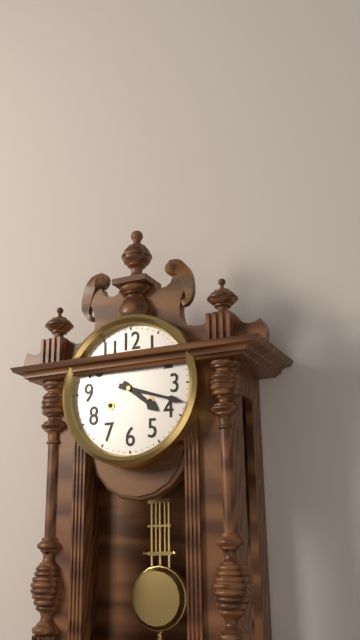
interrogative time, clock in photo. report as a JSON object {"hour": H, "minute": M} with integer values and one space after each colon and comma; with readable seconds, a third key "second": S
{"hour": 4, "minute": 18}
